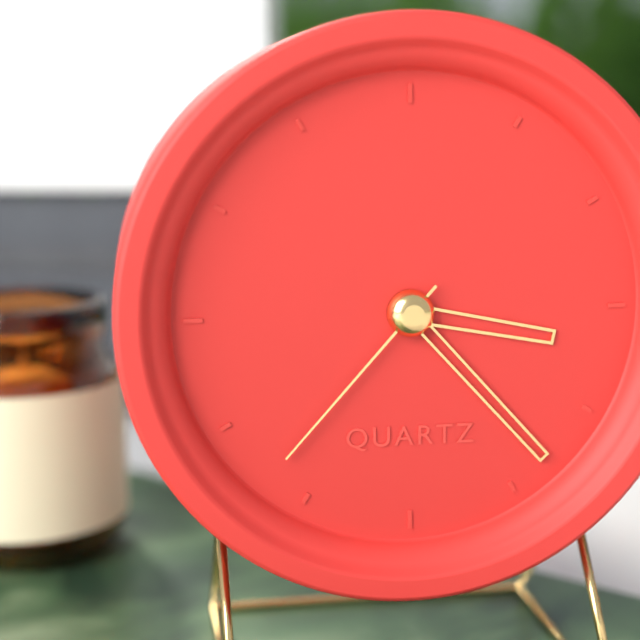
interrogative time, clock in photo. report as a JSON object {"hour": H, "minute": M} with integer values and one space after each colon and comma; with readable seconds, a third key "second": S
{"hour": 3, "minute": 23, "second": 37}
